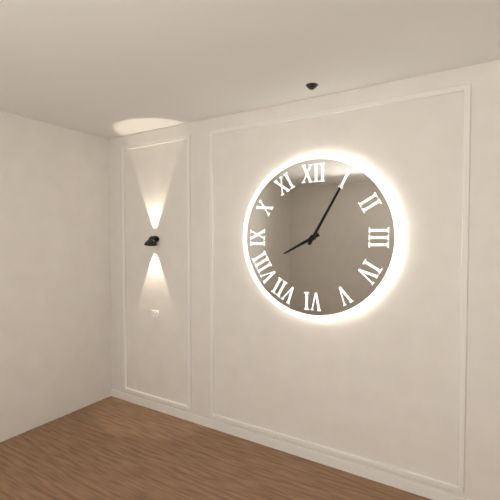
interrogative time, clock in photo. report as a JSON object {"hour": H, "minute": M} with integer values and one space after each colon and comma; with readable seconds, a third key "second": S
{"hour": 8, "minute": 5}
